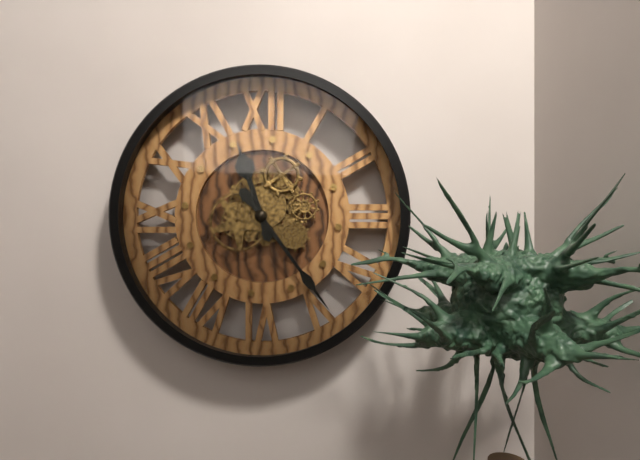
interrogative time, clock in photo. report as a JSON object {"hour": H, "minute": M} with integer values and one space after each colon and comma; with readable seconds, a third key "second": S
{"hour": 11, "minute": 24}
